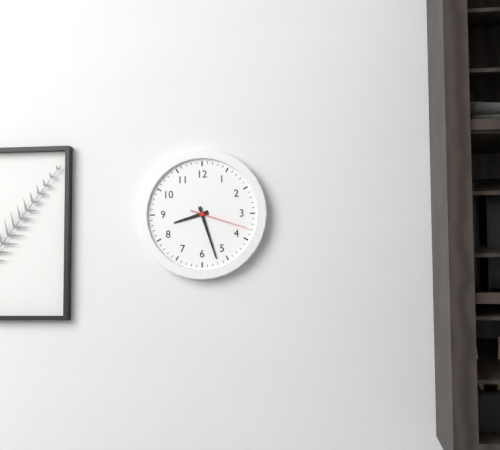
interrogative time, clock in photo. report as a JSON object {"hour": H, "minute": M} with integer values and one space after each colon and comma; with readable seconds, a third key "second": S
{"hour": 8, "minute": 27, "second": 18}
